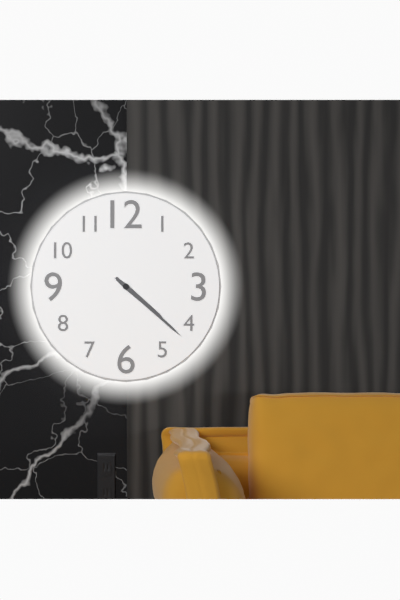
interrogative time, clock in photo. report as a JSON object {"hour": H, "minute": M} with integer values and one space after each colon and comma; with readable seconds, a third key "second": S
{"hour": 4, "minute": 22}
